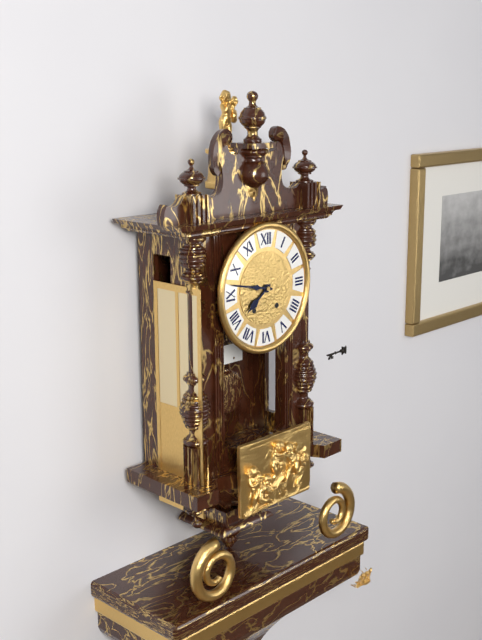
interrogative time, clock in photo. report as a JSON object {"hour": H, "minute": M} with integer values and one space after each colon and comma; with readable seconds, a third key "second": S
{"hour": 7, "minute": 47}
